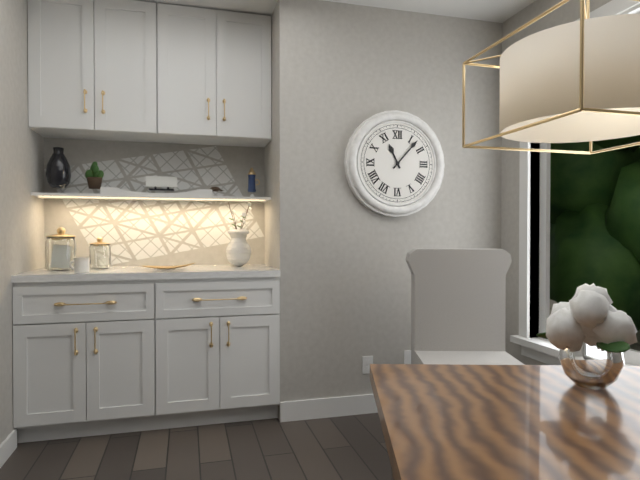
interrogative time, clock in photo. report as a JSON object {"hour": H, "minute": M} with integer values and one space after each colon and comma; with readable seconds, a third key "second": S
{"hour": 11, "minute": 7}
